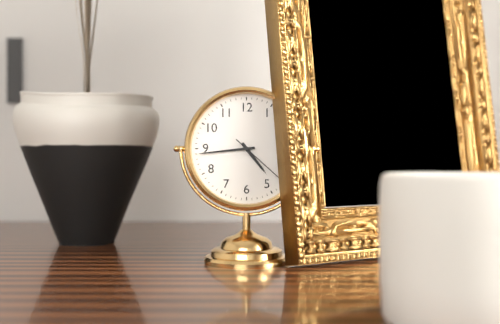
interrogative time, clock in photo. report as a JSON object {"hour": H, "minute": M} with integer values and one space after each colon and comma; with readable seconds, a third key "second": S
{"hour": 4, "minute": 44, "second": 22}
